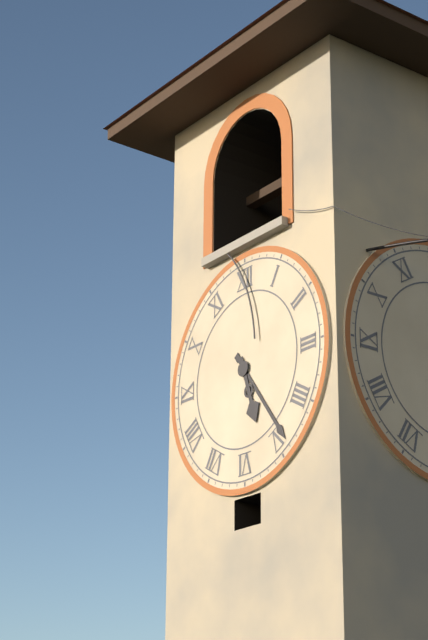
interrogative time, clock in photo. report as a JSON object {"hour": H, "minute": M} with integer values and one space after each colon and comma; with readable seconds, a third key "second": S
{"hour": 5, "minute": 24}
